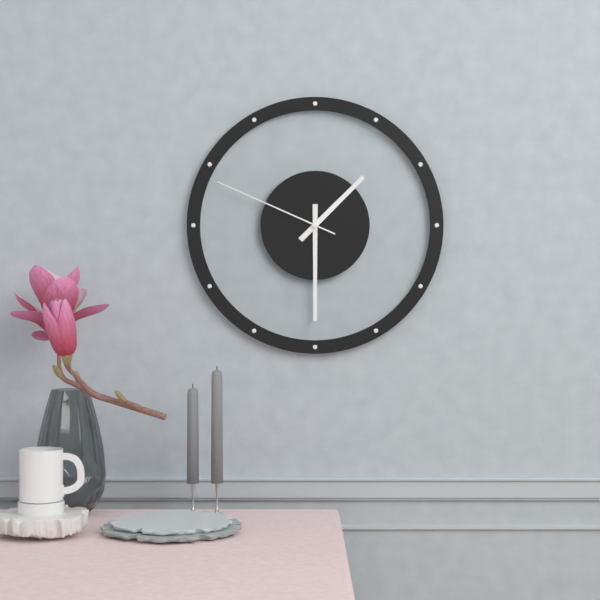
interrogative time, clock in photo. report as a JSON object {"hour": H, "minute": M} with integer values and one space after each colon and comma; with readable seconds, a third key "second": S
{"hour": 1, "minute": 30, "second": 49}
